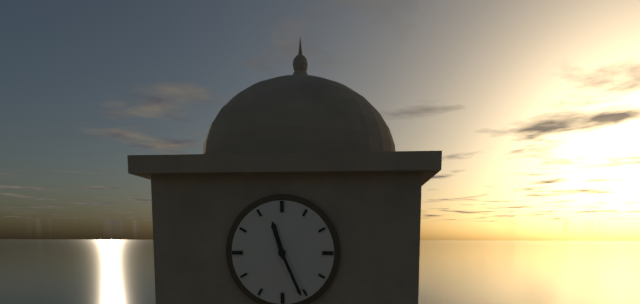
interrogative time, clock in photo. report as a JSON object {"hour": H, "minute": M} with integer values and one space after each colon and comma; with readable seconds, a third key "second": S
{"hour": 11, "minute": 26}
